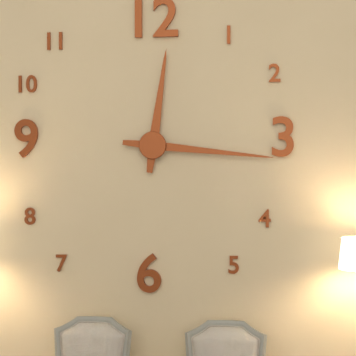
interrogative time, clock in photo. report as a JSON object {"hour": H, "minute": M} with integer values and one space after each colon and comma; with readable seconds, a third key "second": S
{"hour": 12, "minute": 16}
